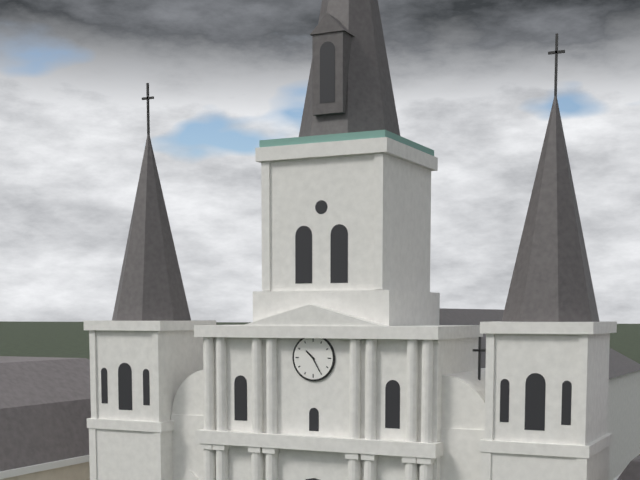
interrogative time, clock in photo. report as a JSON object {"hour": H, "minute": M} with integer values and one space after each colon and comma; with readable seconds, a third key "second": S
{"hour": 10, "minute": 25}
